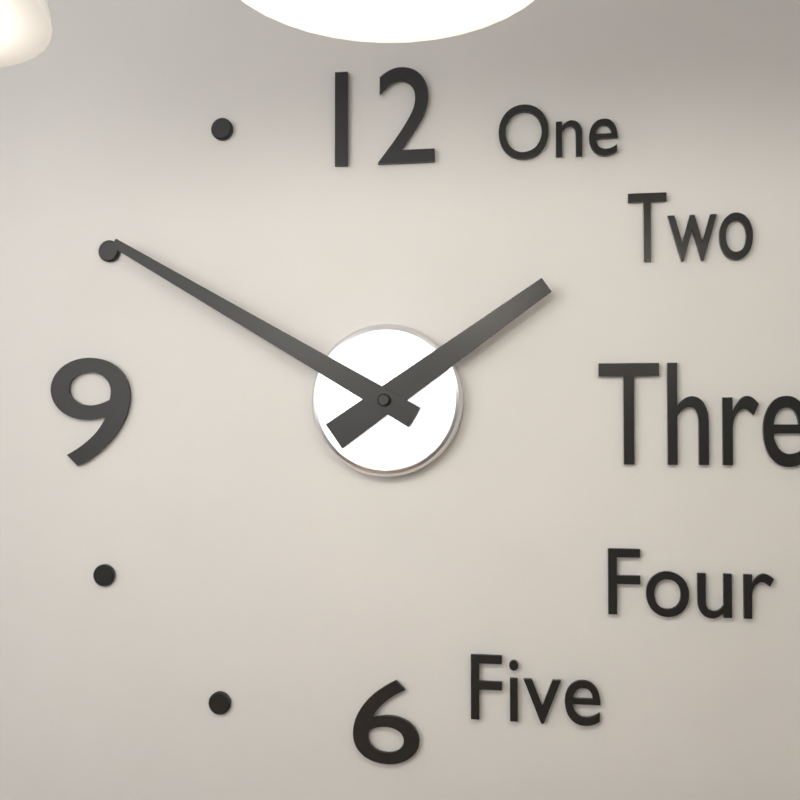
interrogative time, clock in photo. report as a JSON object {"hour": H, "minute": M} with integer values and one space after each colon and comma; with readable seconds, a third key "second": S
{"hour": 1, "minute": 50}
